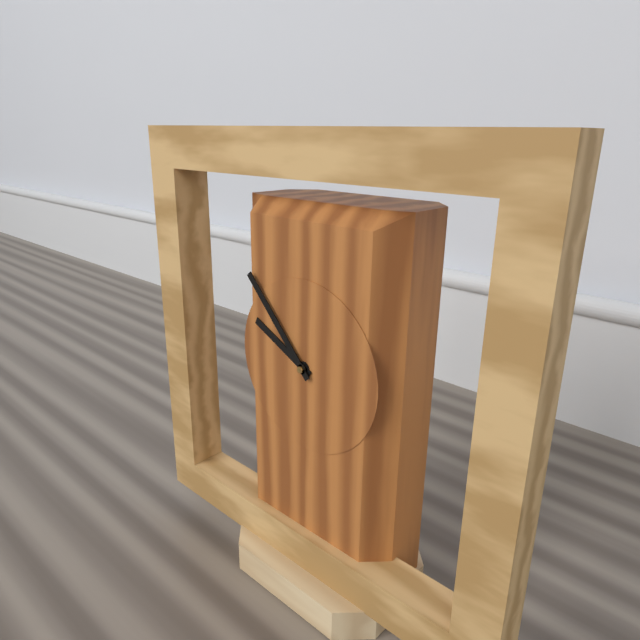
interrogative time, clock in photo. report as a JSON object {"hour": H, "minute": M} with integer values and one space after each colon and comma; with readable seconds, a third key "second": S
{"hour": 9, "minute": 53}
